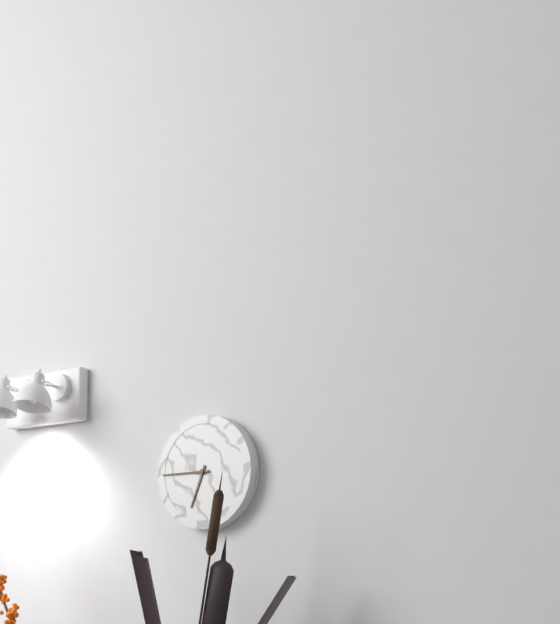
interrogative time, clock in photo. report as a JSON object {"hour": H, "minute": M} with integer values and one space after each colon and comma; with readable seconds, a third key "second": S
{"hour": 6, "minute": 45}
